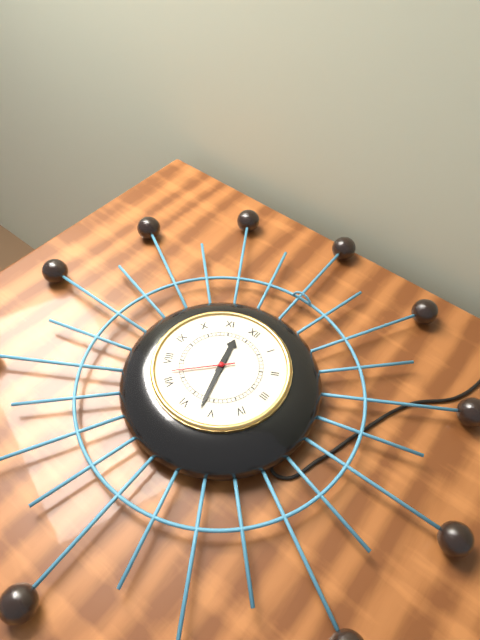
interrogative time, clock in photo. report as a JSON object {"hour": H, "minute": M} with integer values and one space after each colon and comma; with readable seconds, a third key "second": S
{"hour": 11, "minute": 27, "second": 37}
